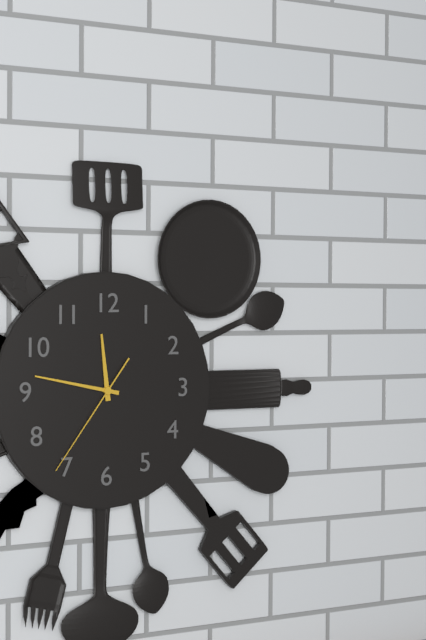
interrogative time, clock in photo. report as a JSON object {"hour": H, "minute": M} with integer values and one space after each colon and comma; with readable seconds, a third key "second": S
{"hour": 11, "minute": 47, "second": 36}
